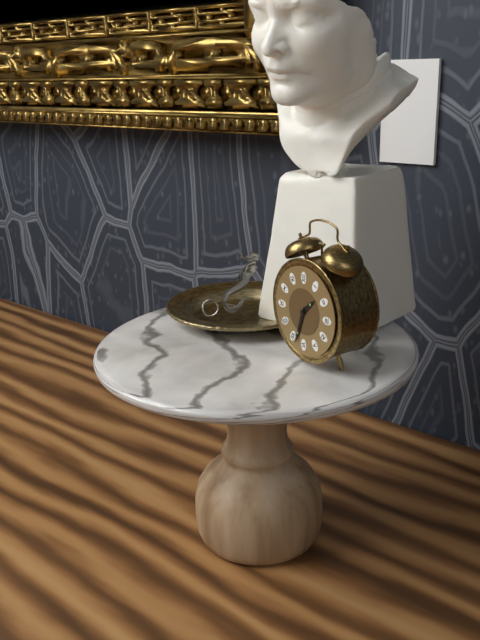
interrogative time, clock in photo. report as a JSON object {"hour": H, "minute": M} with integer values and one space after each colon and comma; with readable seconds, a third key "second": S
{"hour": 1, "minute": 33}
